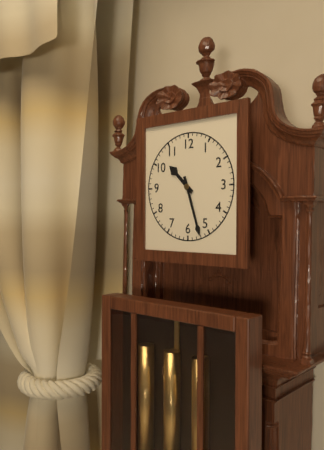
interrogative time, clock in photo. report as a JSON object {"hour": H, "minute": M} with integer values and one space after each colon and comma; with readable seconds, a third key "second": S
{"hour": 10, "minute": 27}
